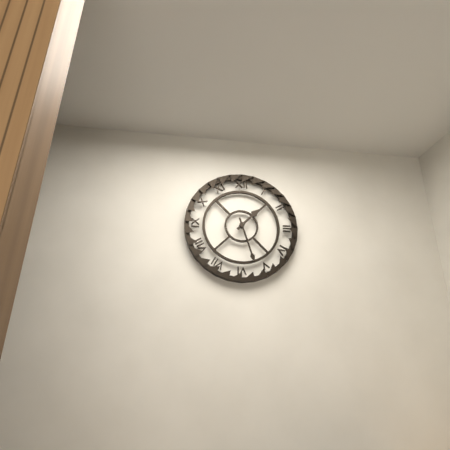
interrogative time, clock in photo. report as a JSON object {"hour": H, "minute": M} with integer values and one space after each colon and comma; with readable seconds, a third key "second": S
{"hour": 1, "minute": 27}
